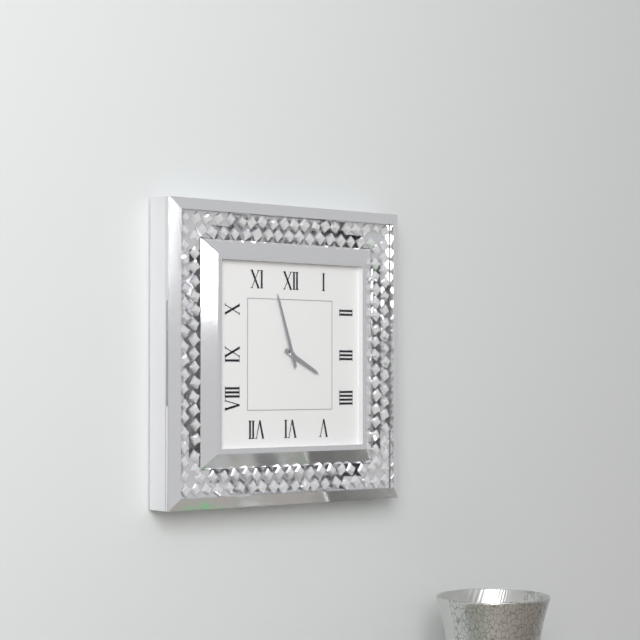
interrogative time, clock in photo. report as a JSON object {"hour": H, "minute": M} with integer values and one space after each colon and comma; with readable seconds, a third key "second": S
{"hour": 3, "minute": 57}
